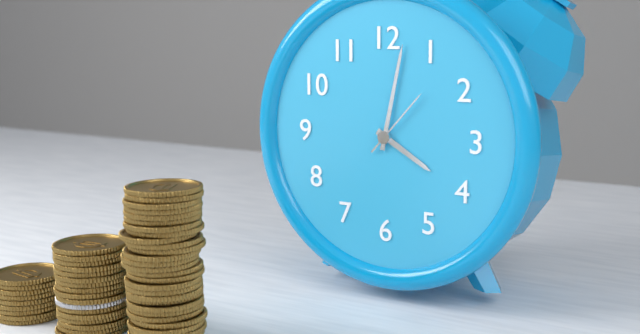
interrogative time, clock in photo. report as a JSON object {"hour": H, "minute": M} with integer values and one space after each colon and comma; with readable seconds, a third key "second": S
{"hour": 4, "minute": 2, "second": 7}
